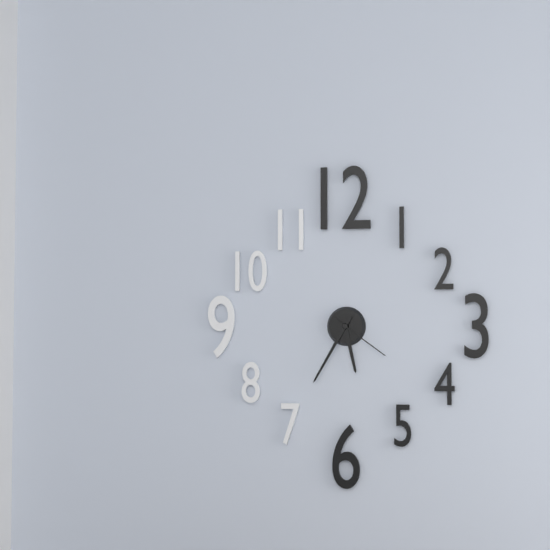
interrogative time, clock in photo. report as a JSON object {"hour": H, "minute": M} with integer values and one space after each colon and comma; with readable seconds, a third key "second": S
{"hour": 5, "minute": 35, "second": 21}
